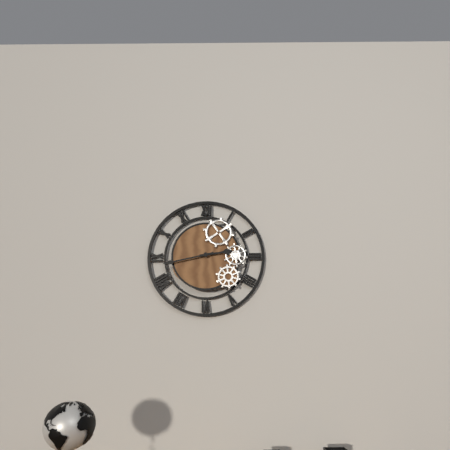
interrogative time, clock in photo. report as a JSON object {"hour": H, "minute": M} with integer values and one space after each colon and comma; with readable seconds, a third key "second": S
{"hour": 2, "minute": 43}
